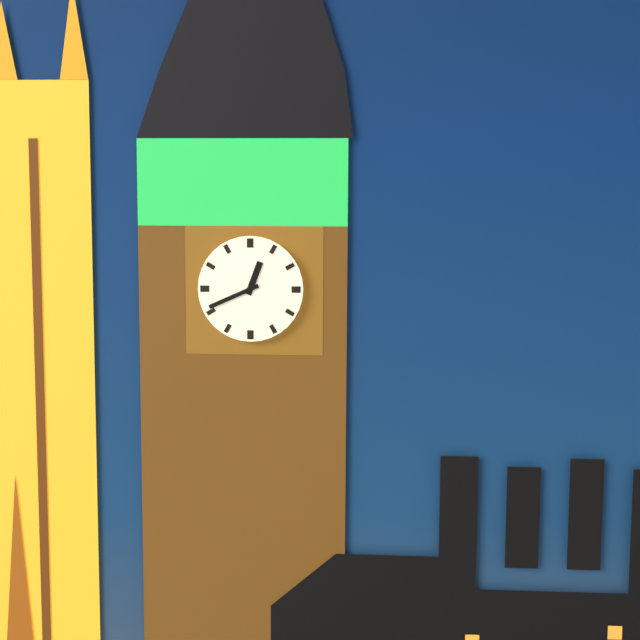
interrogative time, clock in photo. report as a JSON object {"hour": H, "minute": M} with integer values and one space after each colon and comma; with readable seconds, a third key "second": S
{"hour": 12, "minute": 41}
